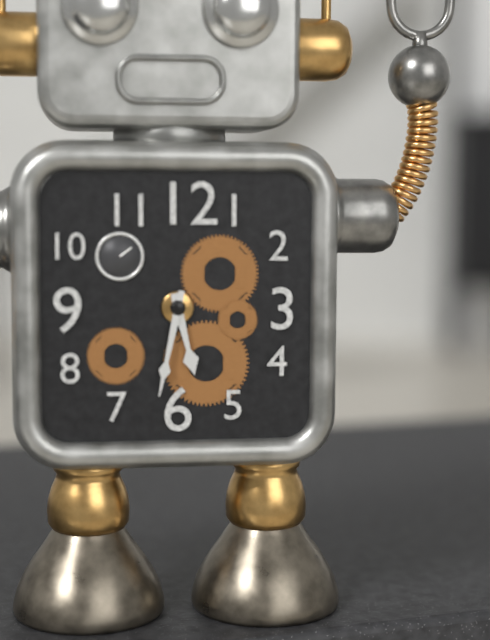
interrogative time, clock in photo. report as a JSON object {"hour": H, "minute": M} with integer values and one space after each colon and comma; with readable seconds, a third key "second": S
{"hour": 5, "minute": 32}
